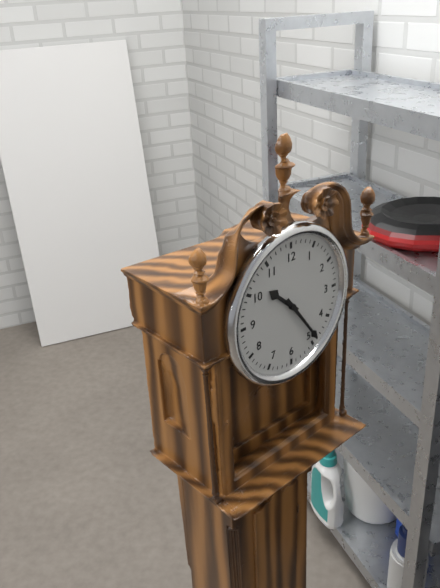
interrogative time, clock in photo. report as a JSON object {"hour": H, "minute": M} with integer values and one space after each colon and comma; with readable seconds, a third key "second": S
{"hour": 10, "minute": 24}
